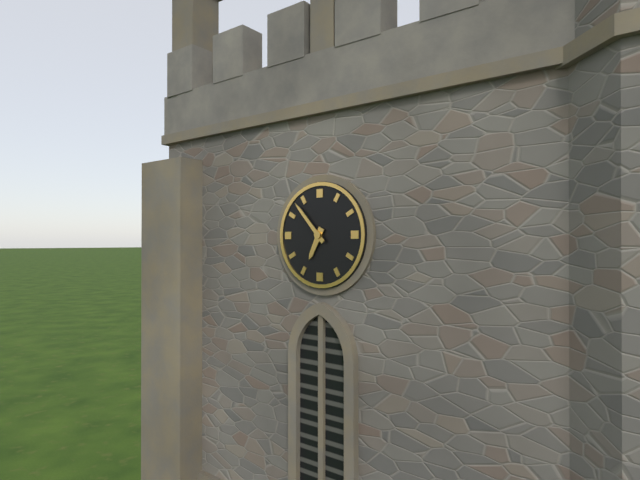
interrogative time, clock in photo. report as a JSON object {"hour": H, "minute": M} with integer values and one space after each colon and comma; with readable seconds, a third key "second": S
{"hour": 6, "minute": 53}
